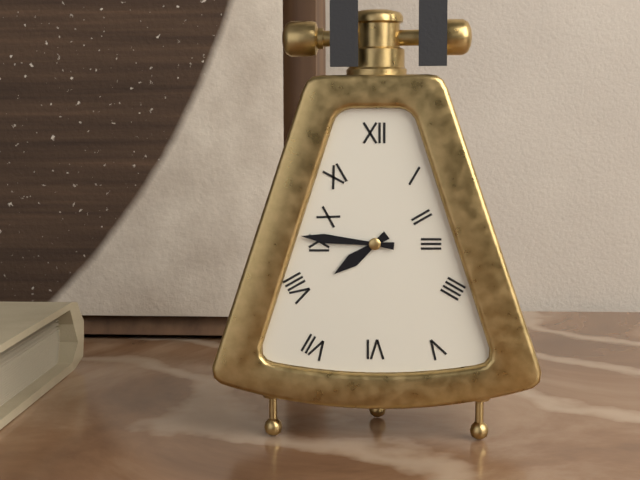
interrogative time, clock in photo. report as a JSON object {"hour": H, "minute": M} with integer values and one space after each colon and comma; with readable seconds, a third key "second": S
{"hour": 7, "minute": 46}
